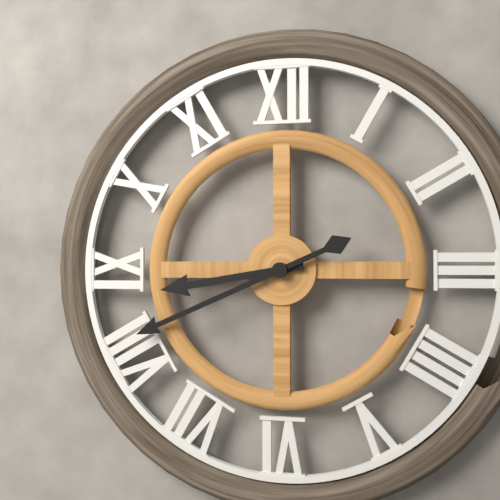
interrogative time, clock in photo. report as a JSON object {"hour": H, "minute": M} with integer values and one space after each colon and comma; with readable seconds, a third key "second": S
{"hour": 8, "minute": 41}
